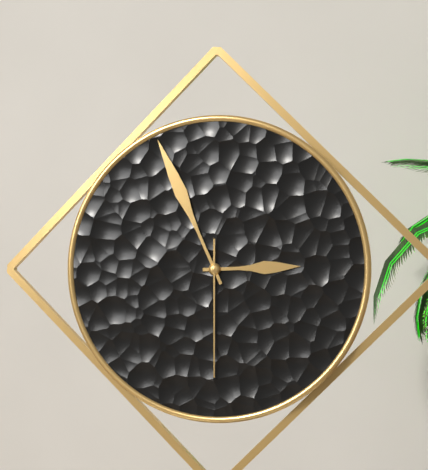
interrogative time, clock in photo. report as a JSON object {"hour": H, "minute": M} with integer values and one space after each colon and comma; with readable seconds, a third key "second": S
{"hour": 2, "minute": 56, "second": 30}
